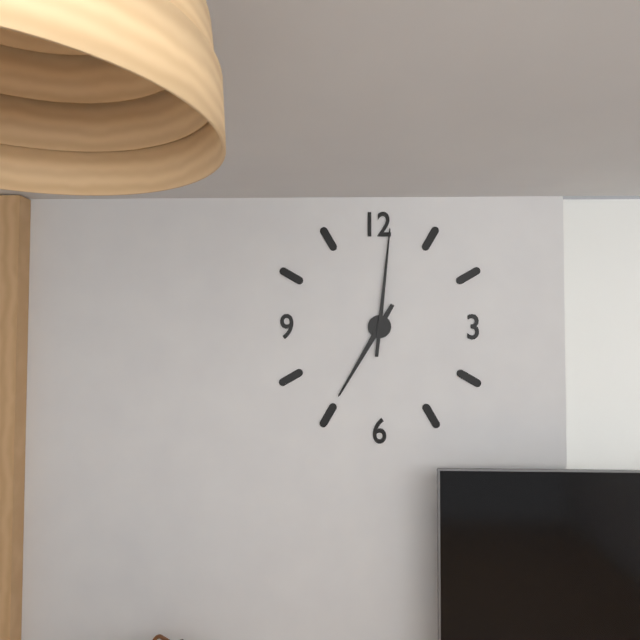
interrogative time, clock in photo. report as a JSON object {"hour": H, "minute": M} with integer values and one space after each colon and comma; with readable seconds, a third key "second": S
{"hour": 7, "minute": 1}
